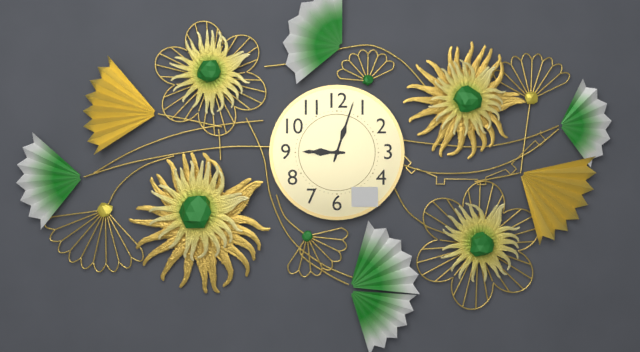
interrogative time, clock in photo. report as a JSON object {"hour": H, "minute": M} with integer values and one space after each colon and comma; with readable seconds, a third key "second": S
{"hour": 9, "minute": 3}
